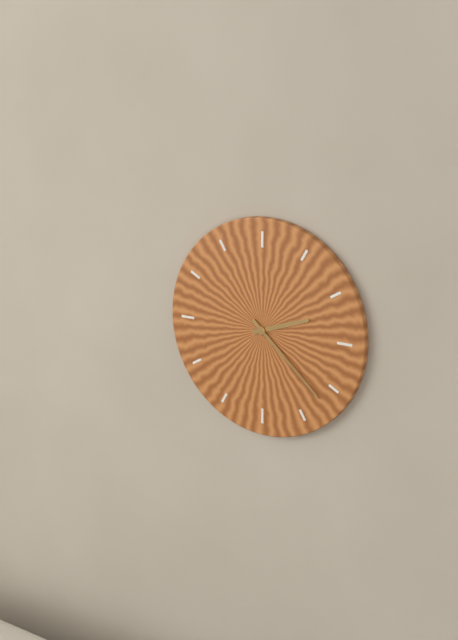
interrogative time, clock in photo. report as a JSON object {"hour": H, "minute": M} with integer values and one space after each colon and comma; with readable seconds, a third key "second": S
{"hour": 2, "minute": 22}
